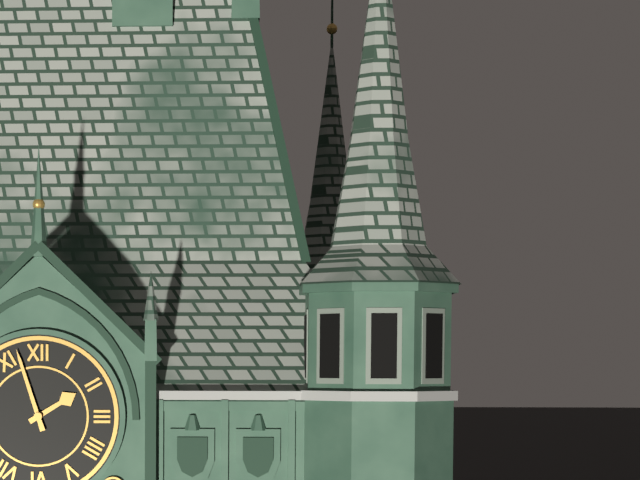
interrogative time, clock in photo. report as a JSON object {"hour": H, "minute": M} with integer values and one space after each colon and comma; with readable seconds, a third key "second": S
{"hour": 1, "minute": 57}
